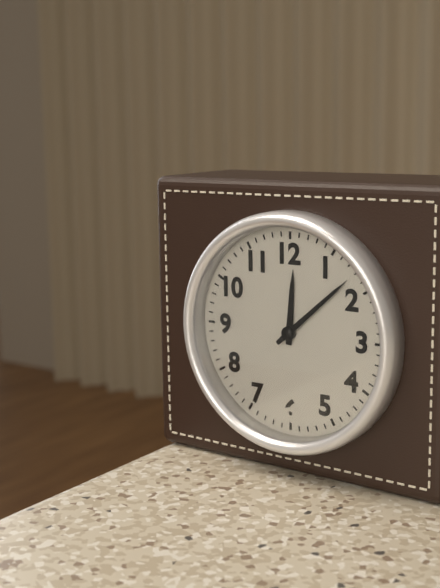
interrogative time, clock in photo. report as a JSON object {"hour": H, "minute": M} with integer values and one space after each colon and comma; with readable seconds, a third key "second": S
{"hour": 12, "minute": 8}
